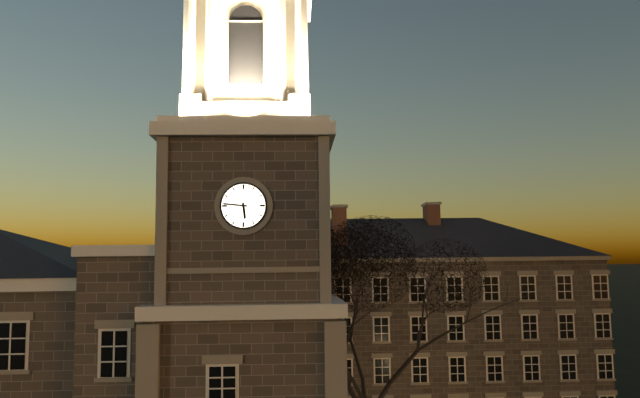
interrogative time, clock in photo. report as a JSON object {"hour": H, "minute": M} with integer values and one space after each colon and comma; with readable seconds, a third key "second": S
{"hour": 5, "minute": 46}
